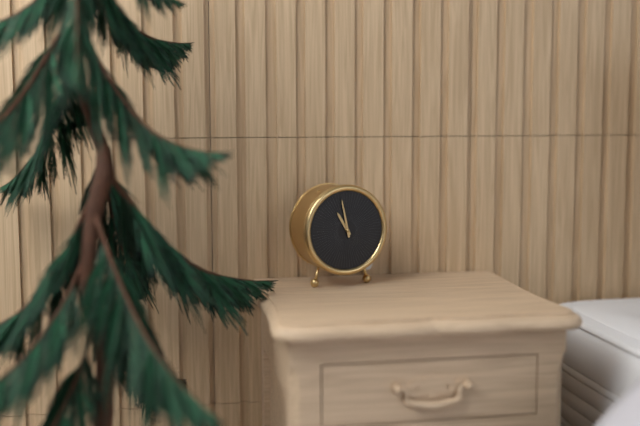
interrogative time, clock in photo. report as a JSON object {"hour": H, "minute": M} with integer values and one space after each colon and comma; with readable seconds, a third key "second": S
{"hour": 10, "minute": 58}
